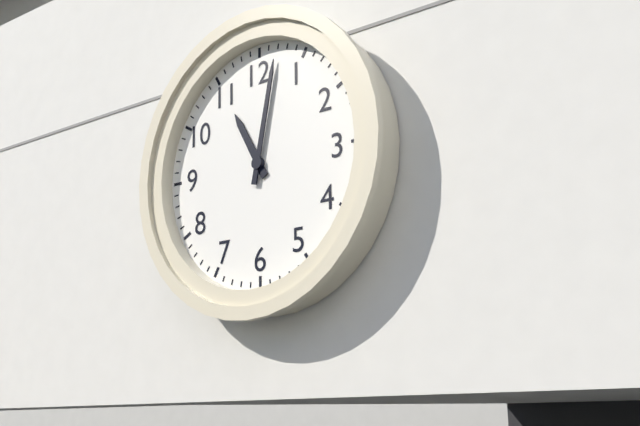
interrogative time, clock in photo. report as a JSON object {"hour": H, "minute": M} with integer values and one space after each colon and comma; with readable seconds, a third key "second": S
{"hour": 11, "minute": 2}
